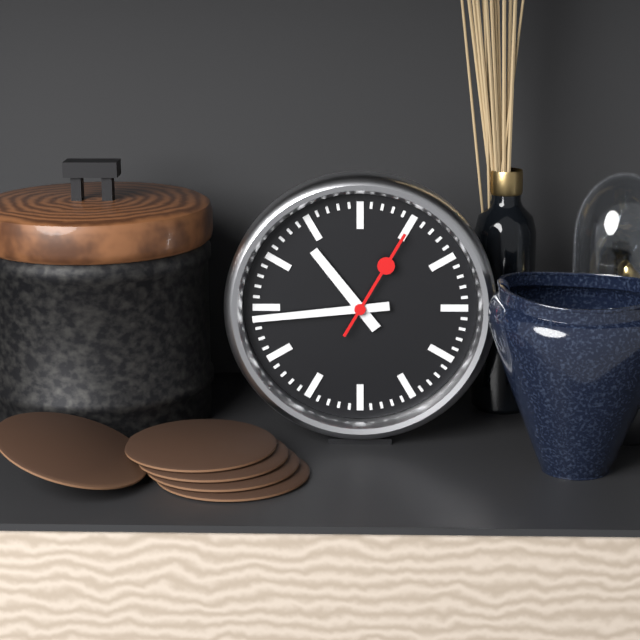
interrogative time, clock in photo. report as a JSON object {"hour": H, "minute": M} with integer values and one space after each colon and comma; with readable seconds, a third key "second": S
{"hour": 10, "minute": 44, "second": 5}
